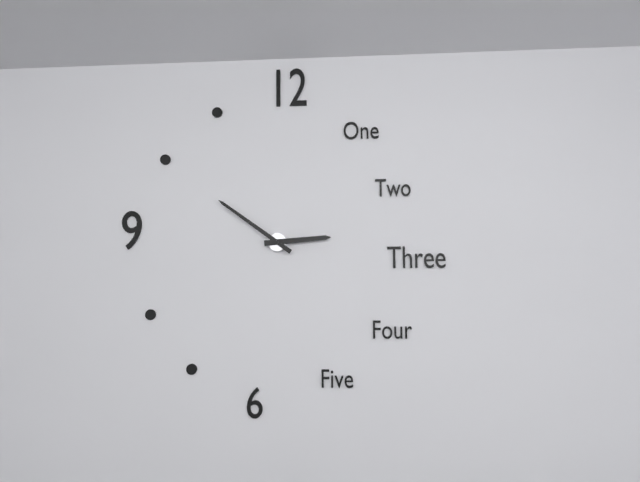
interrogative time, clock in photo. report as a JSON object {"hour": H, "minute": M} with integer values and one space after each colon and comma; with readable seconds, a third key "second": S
{"hour": 2, "minute": 51}
